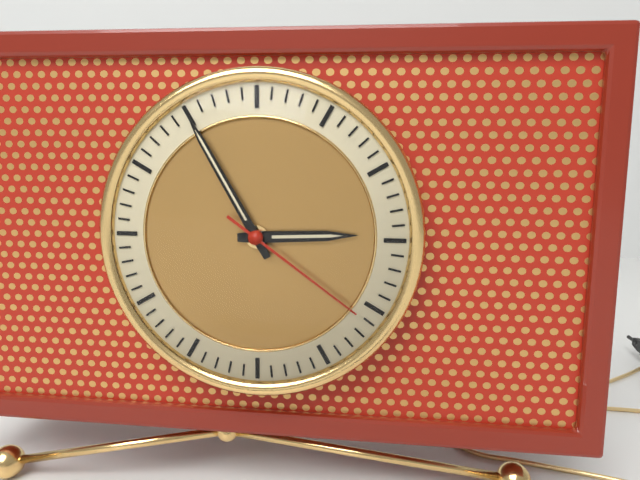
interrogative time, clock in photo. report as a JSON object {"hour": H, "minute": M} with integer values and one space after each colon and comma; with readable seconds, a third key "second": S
{"hour": 2, "minute": 55, "second": 21}
